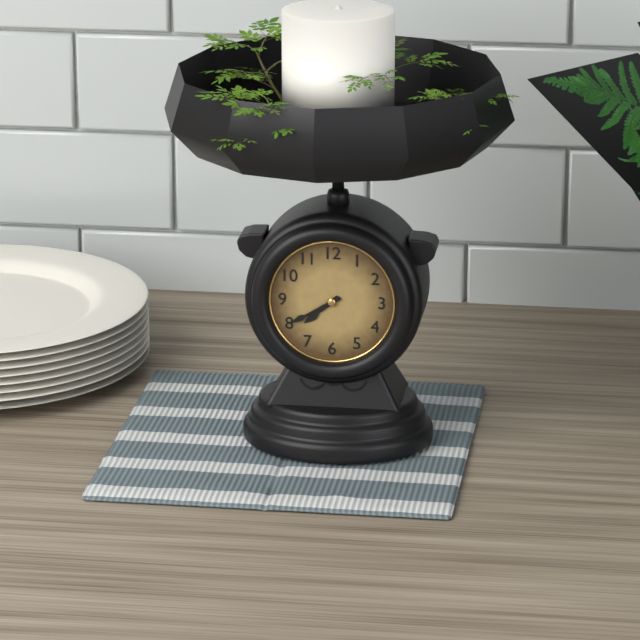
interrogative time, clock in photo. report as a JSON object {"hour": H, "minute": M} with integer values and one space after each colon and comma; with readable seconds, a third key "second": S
{"hour": 7, "minute": 40}
